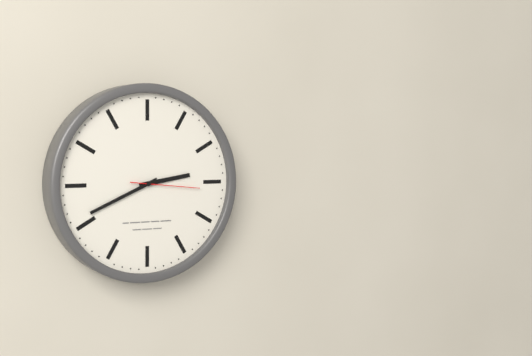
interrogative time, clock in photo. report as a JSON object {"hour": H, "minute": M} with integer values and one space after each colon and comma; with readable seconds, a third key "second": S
{"hour": 2, "minute": 41, "second": 16}
